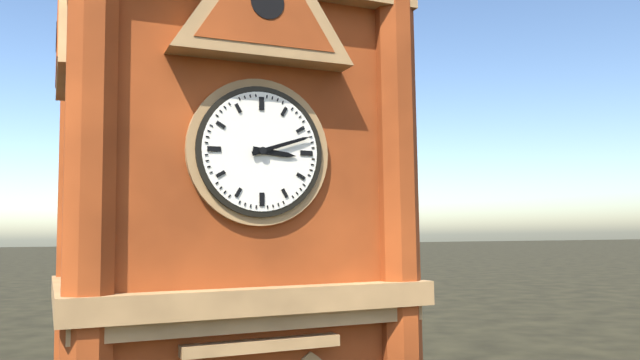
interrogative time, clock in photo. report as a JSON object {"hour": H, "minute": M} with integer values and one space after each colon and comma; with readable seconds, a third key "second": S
{"hour": 3, "minute": 12}
